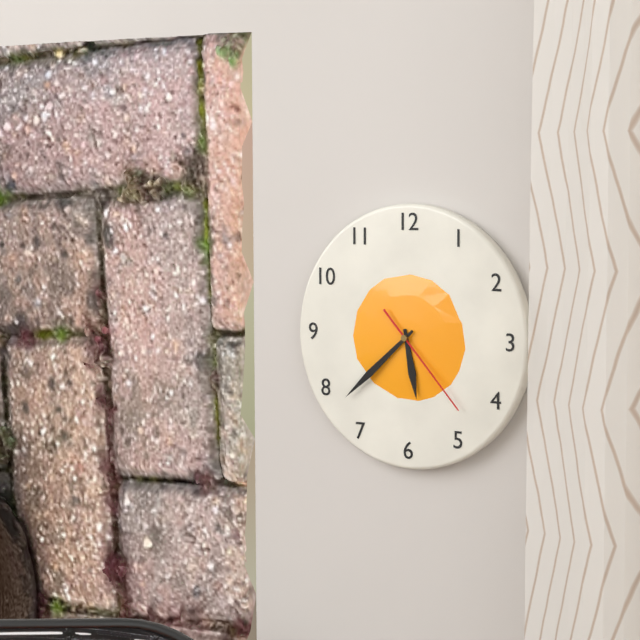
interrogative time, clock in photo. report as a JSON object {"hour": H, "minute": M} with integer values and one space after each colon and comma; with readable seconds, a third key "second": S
{"hour": 5, "minute": 38, "second": 23}
